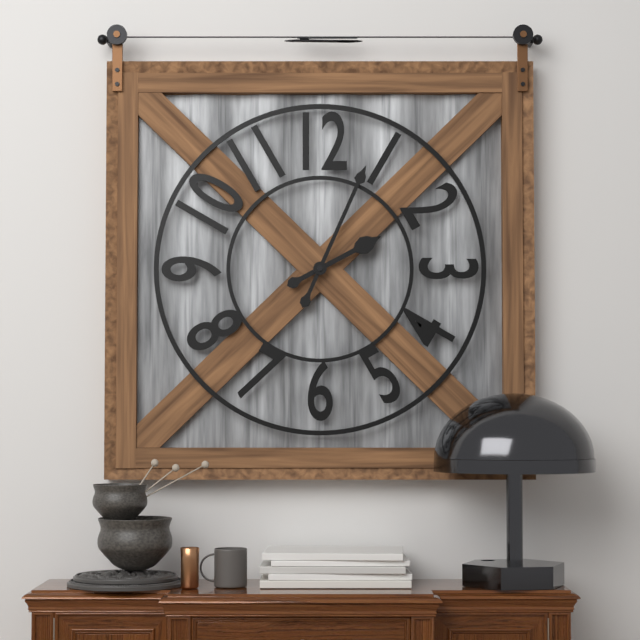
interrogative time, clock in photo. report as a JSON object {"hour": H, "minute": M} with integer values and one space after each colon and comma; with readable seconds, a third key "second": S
{"hour": 2, "minute": 4}
